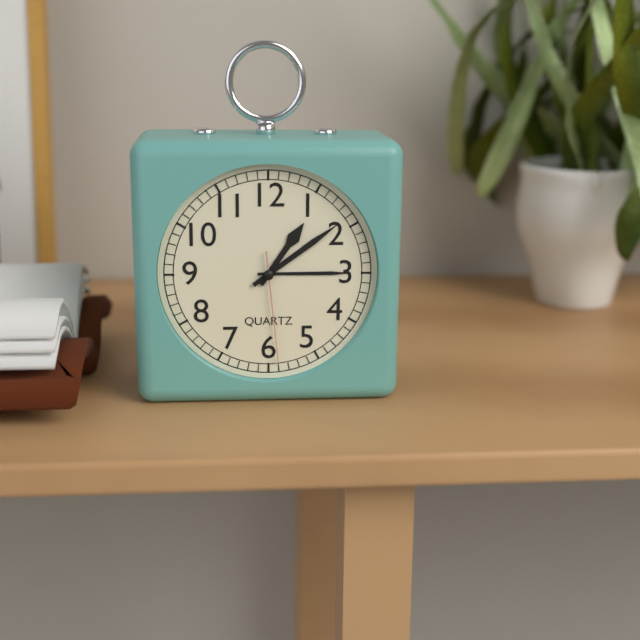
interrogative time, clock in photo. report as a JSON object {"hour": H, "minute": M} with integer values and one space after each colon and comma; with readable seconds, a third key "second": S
{"hour": 1, "minute": 9, "second": 29}
